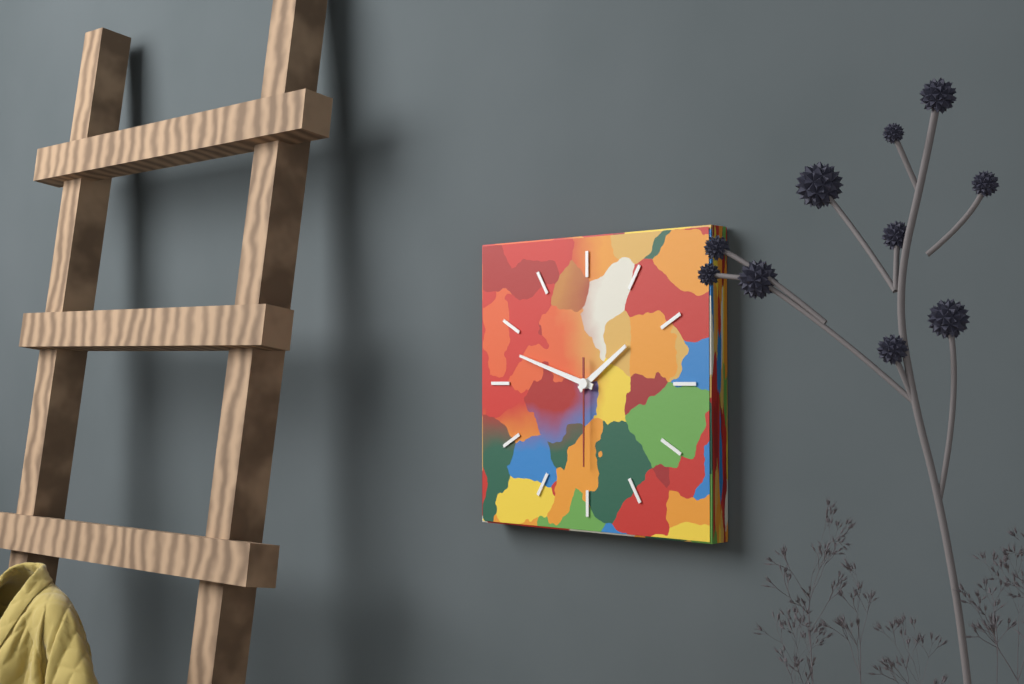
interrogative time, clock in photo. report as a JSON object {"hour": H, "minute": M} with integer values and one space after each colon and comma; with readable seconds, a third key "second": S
{"hour": 1, "minute": 48, "second": 30}
